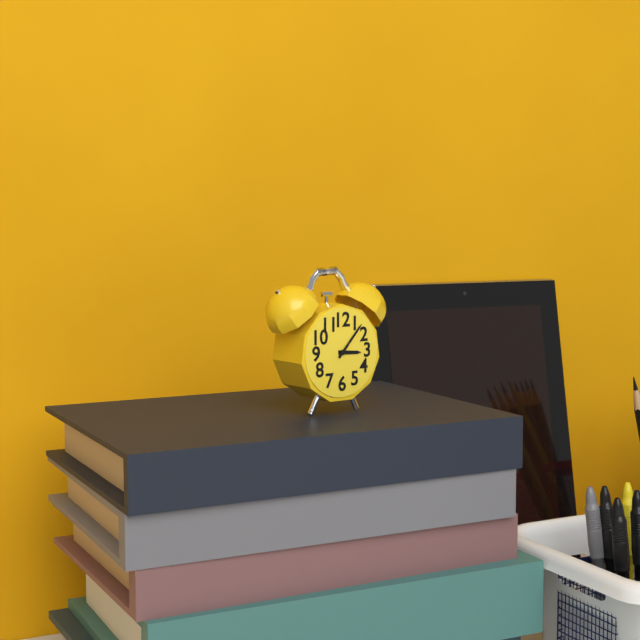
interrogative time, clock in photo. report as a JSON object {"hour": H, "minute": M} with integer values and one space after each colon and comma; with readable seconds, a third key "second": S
{"hour": 3, "minute": 7}
